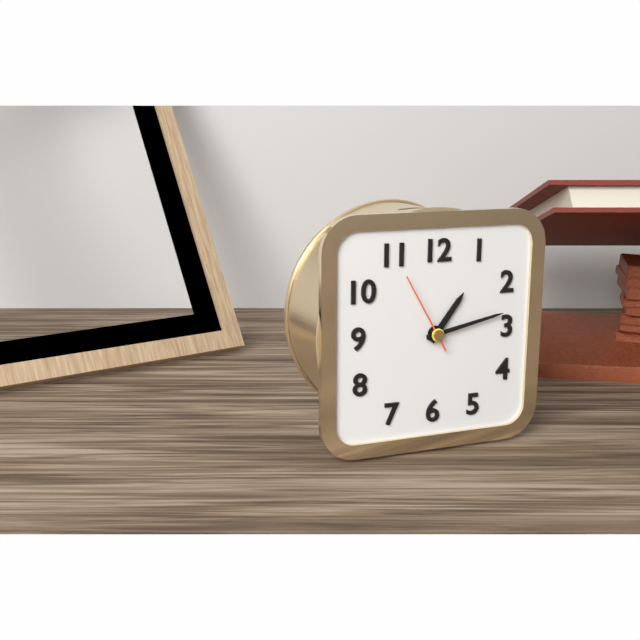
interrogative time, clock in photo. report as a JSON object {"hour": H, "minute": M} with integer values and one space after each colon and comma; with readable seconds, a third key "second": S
{"hour": 1, "minute": 13, "second": 55}
